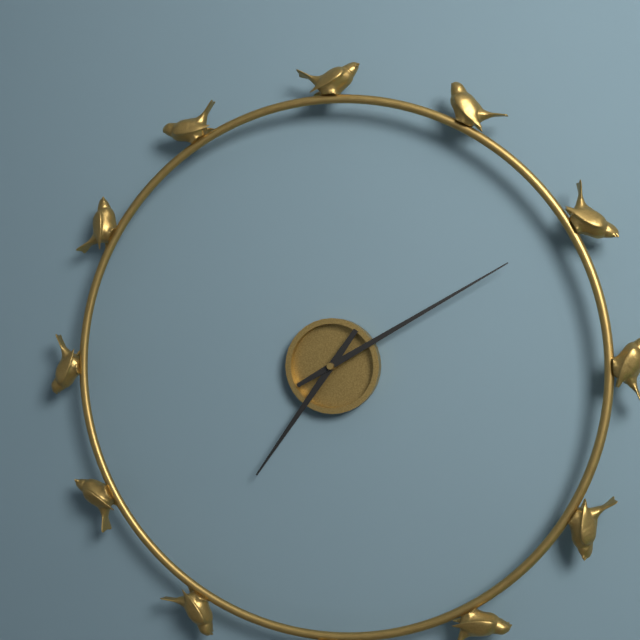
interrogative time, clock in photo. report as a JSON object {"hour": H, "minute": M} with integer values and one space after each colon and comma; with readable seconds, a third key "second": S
{"hour": 7, "minute": 10}
